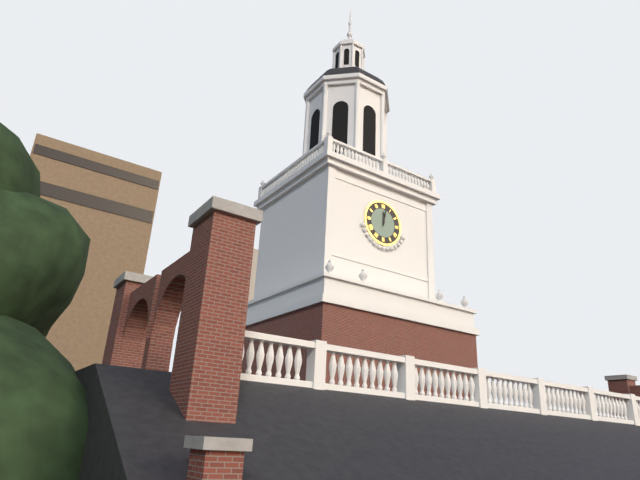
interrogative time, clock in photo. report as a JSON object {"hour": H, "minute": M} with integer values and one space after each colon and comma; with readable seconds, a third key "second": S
{"hour": 12, "minute": 2}
